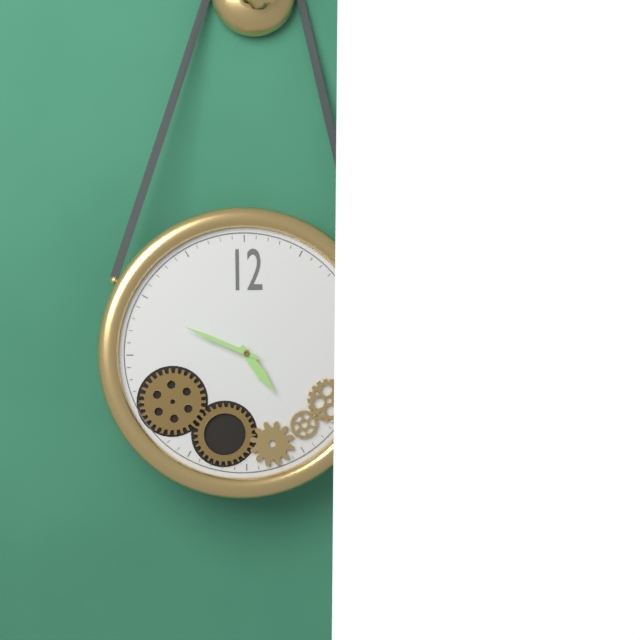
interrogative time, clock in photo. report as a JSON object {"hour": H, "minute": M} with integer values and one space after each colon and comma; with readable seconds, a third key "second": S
{"hour": 4, "minute": 49}
